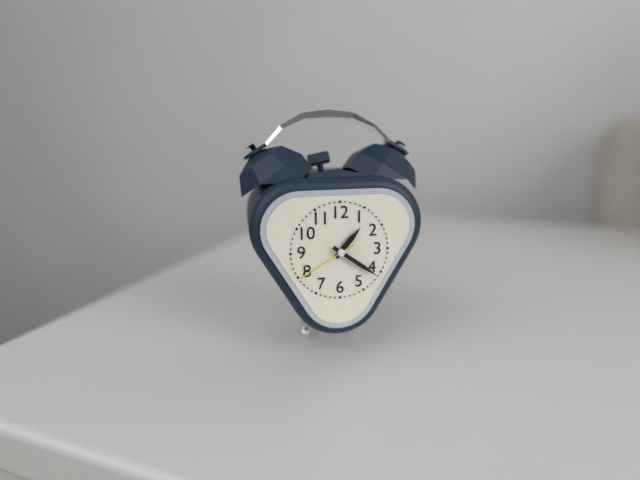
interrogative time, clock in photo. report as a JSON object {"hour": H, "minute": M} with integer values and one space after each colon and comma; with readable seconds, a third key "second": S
{"hour": 1, "minute": 21, "second": 40}
